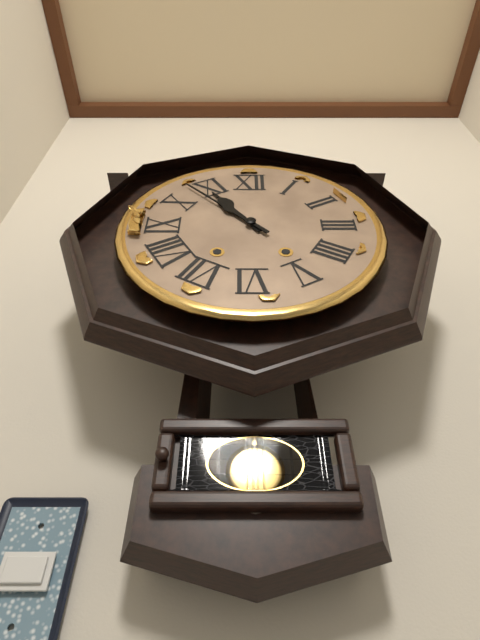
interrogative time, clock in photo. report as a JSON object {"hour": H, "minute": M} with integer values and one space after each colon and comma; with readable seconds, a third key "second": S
{"hour": 10, "minute": 53}
